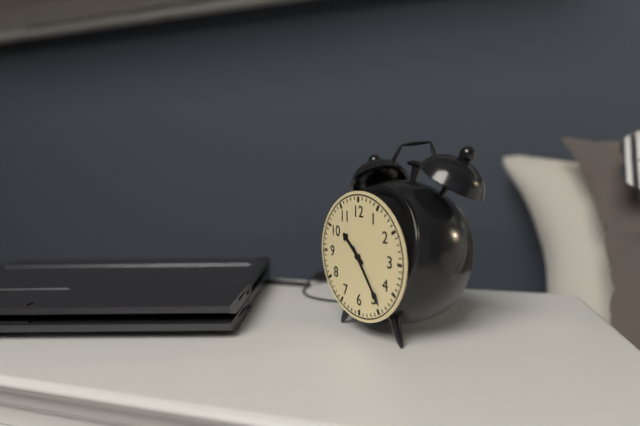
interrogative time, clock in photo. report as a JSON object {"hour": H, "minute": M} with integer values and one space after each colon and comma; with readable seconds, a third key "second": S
{"hour": 10, "minute": 24}
